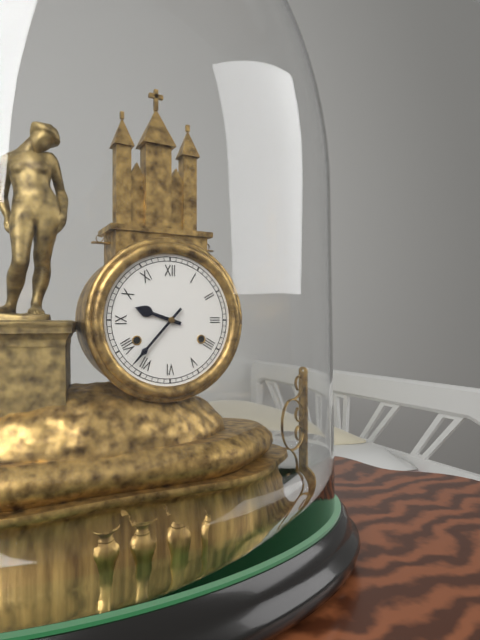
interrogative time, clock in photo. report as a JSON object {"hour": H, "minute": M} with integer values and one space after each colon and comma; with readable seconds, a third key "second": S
{"hour": 9, "minute": 37}
